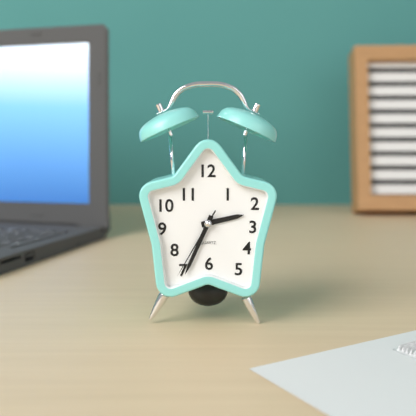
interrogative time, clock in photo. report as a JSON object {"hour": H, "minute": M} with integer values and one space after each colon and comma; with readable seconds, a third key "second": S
{"hour": 2, "minute": 34, "second": 35}
